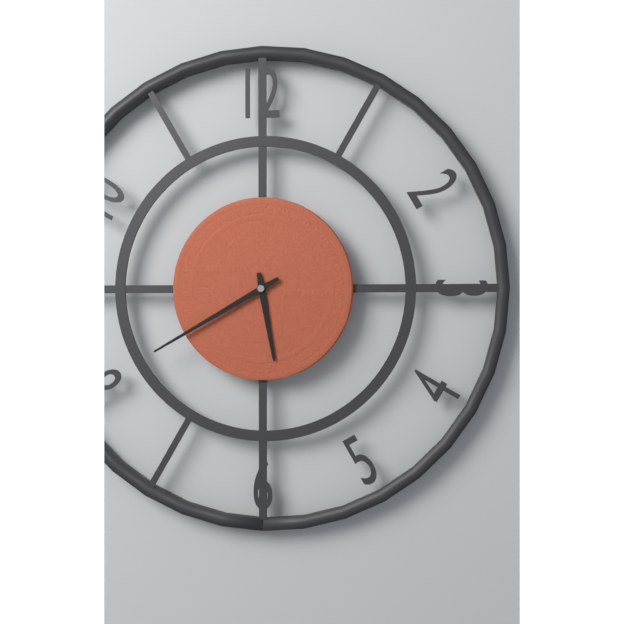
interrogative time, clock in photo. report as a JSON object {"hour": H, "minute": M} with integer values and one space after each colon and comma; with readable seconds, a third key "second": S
{"hour": 5, "minute": 40}
